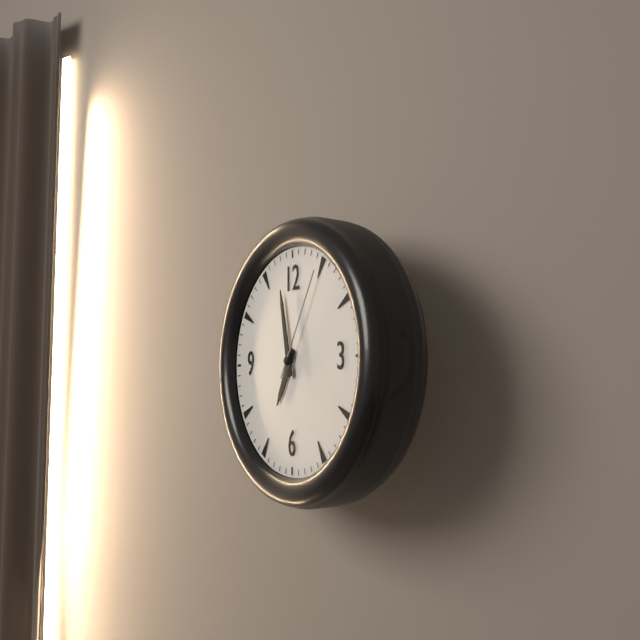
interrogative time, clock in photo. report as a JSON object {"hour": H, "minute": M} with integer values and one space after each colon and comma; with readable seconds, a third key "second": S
{"hour": 6, "minute": 58, "second": 5}
